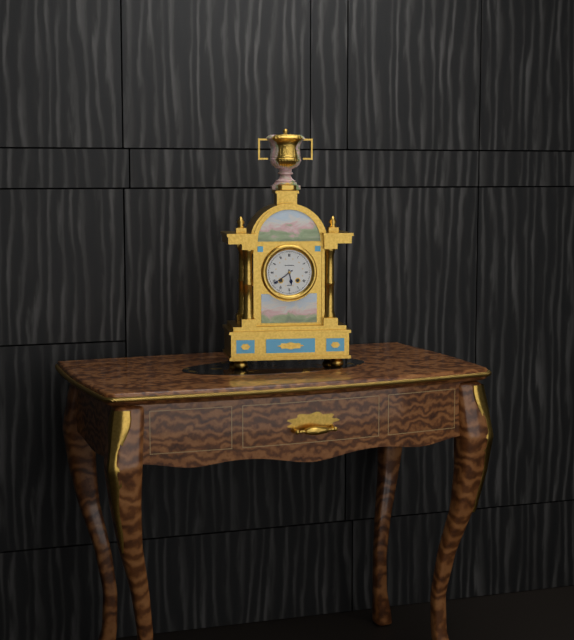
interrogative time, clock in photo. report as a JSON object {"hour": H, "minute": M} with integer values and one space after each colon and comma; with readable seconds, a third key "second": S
{"hour": 5, "minute": 39}
